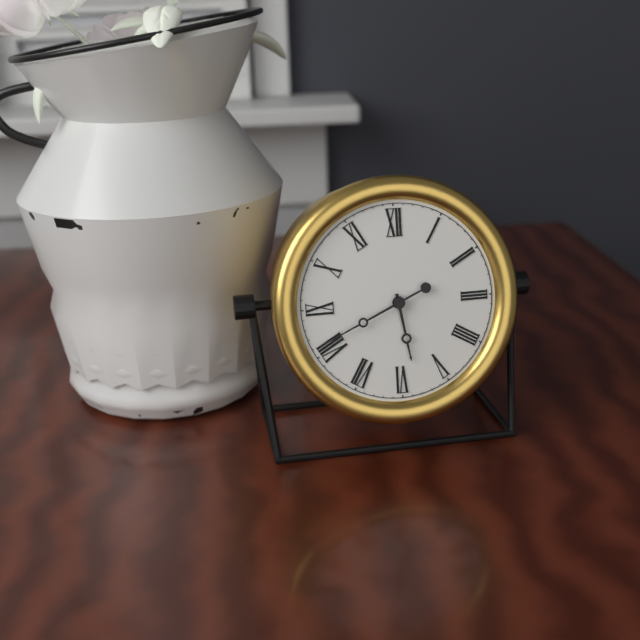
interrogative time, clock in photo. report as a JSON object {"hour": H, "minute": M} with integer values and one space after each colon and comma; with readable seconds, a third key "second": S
{"hour": 5, "minute": 41}
